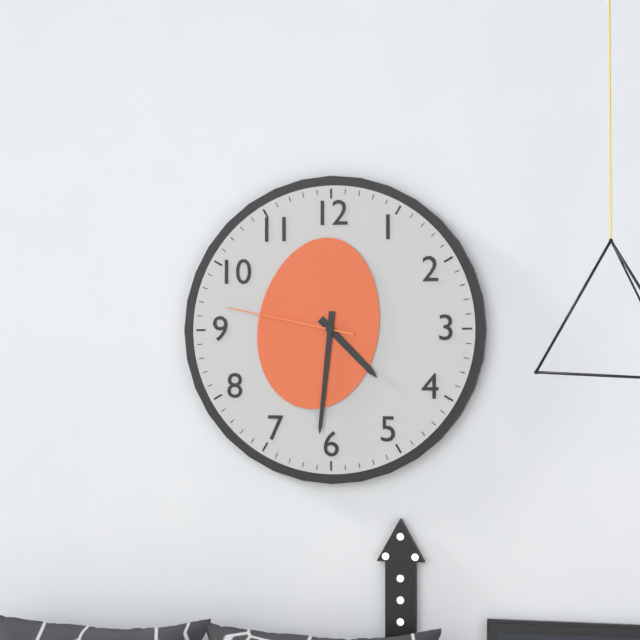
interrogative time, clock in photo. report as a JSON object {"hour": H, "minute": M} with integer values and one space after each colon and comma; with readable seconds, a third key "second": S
{"hour": 4, "minute": 31, "second": 47}
